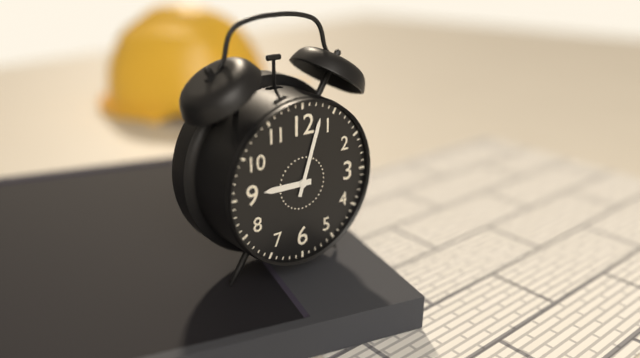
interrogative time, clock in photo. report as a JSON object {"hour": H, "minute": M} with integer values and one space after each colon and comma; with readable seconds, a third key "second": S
{"hour": 9, "minute": 3}
